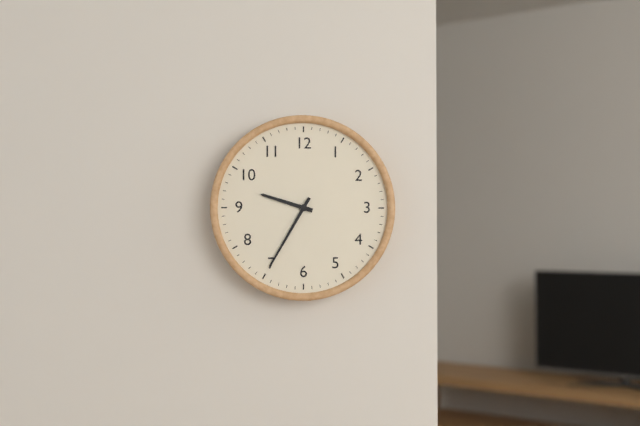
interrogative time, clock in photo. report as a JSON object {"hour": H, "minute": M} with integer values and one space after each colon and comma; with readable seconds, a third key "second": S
{"hour": 9, "minute": 35}
